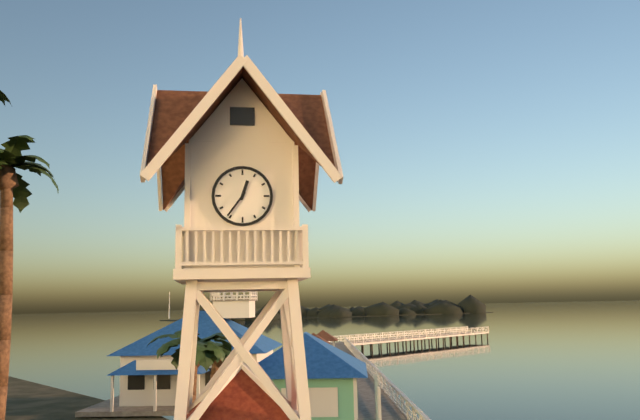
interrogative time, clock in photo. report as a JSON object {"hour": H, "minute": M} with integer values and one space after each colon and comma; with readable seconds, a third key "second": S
{"hour": 12, "minute": 36}
